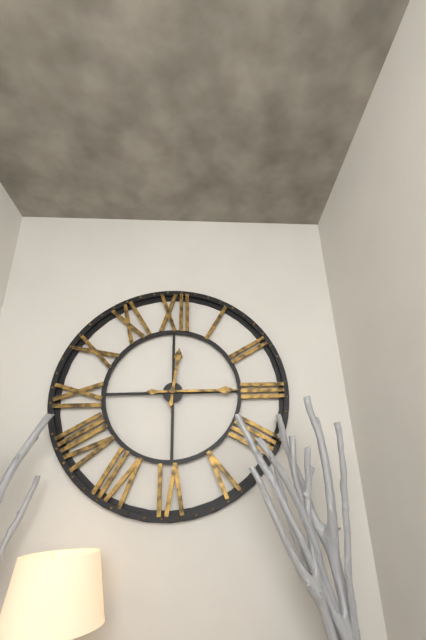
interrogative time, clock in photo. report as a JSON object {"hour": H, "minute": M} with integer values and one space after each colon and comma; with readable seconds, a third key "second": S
{"hour": 12, "minute": 15}
